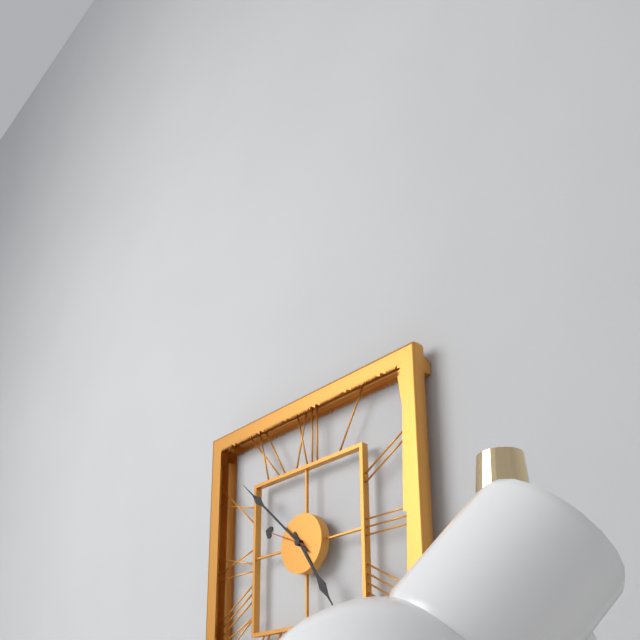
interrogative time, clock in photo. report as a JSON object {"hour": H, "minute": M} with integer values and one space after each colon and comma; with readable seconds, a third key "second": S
{"hour": 4, "minute": 52}
